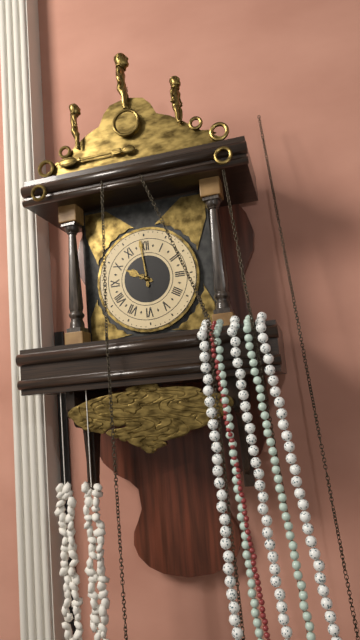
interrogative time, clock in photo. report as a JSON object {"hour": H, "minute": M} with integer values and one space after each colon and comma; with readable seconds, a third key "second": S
{"hour": 9, "minute": 59}
